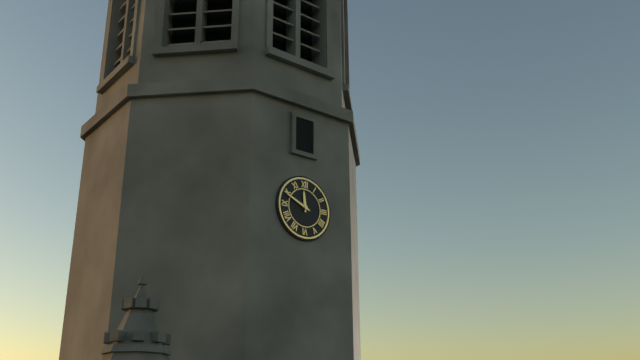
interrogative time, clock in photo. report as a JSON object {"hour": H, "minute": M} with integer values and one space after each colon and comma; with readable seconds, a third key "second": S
{"hour": 11, "minute": 49}
